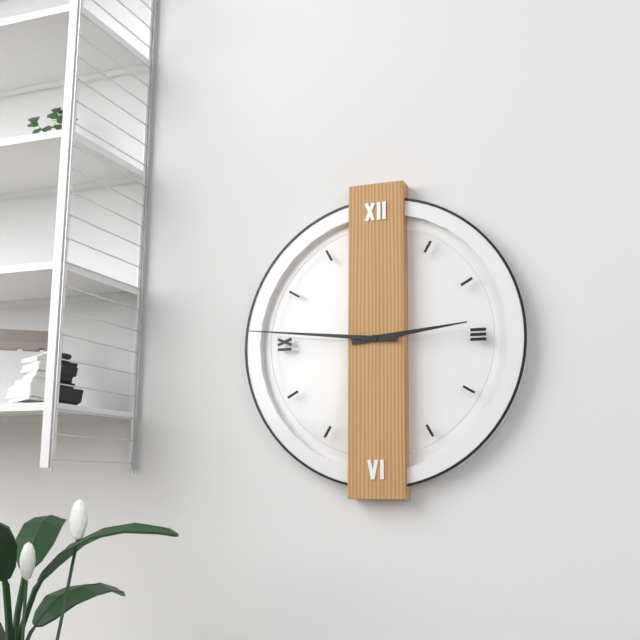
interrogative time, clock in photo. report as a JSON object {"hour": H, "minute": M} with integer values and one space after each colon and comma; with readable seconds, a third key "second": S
{"hour": 2, "minute": 46}
